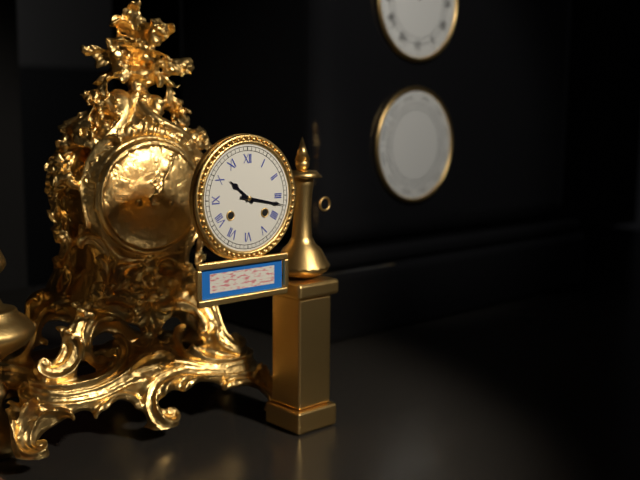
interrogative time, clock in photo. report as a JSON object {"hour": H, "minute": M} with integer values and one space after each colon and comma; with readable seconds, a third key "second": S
{"hour": 10, "minute": 17}
